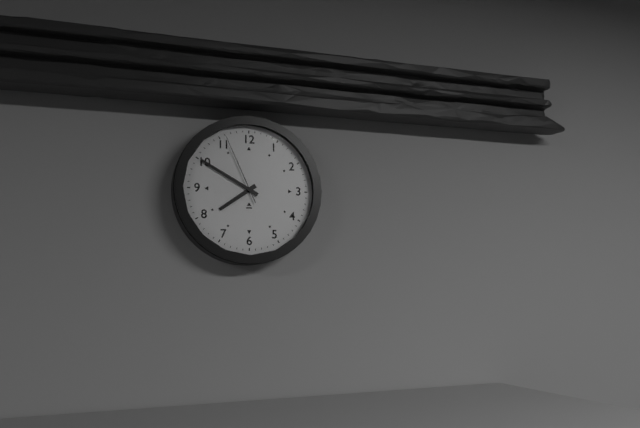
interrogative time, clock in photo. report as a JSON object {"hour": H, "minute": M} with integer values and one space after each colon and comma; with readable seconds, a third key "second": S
{"hour": 7, "minute": 50, "second": 56}
